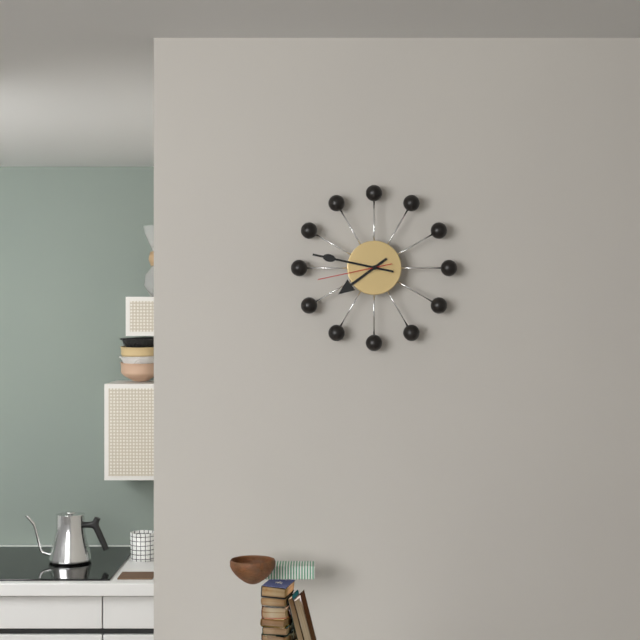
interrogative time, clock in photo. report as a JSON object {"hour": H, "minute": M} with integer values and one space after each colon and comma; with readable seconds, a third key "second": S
{"hour": 7, "minute": 47, "second": 43}
